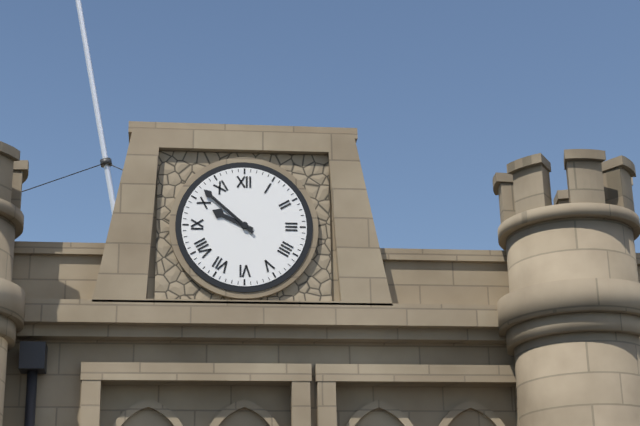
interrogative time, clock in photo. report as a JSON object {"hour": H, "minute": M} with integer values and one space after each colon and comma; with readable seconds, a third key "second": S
{"hour": 9, "minute": 52}
